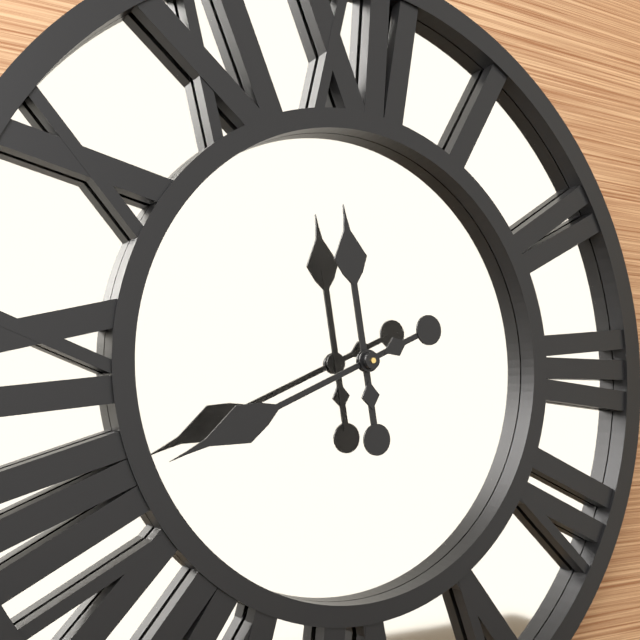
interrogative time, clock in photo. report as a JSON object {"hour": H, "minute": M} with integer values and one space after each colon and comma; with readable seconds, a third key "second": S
{"hour": 11, "minute": 41}
